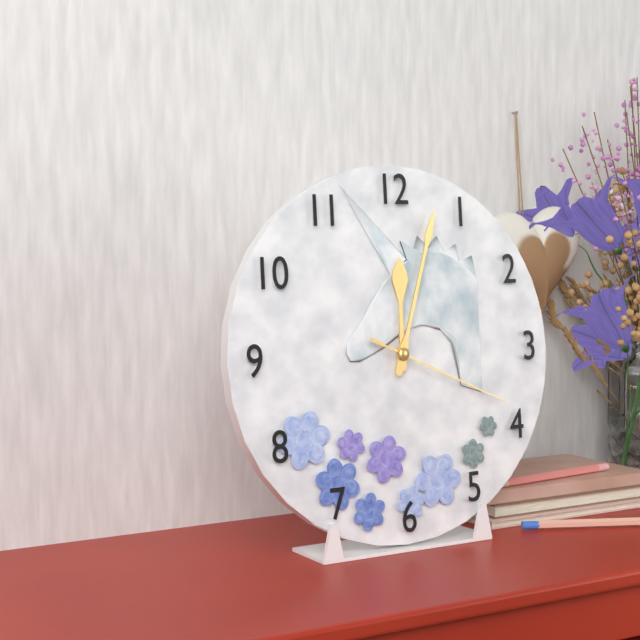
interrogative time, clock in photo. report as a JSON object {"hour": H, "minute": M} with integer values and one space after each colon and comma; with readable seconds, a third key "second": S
{"hour": 12, "minute": 3, "second": 19}
